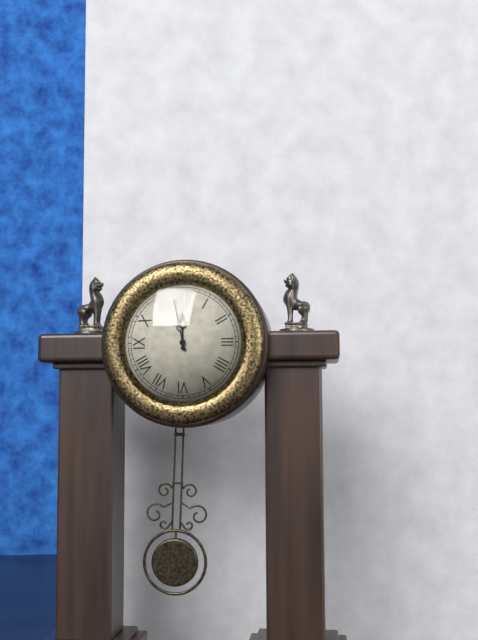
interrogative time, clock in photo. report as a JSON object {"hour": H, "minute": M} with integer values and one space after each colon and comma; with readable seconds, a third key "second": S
{"hour": 11, "minute": 58}
